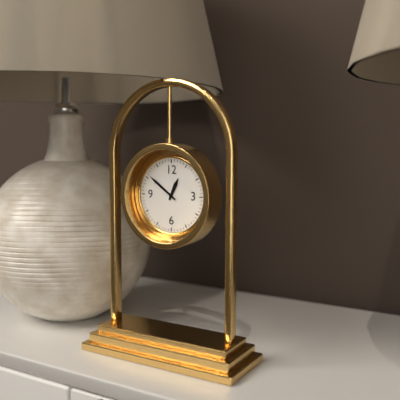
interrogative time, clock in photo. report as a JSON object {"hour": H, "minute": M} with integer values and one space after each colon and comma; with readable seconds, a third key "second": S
{"hour": 12, "minute": 51}
